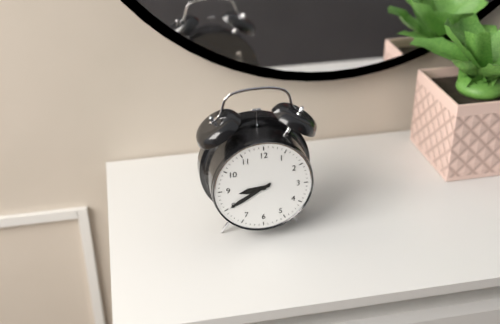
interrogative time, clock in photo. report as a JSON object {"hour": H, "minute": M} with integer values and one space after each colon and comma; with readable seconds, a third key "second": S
{"hour": 8, "minute": 40}
